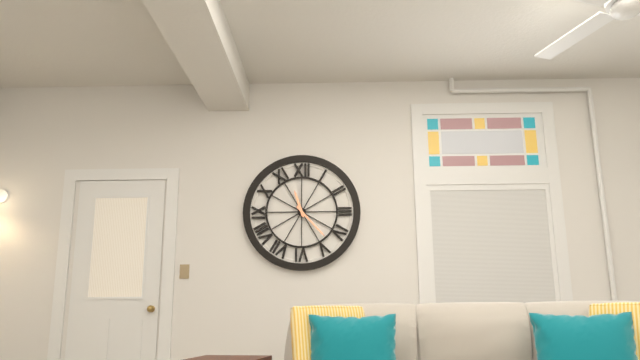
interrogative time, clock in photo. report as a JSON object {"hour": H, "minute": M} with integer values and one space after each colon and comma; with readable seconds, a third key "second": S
{"hour": 11, "minute": 23}
